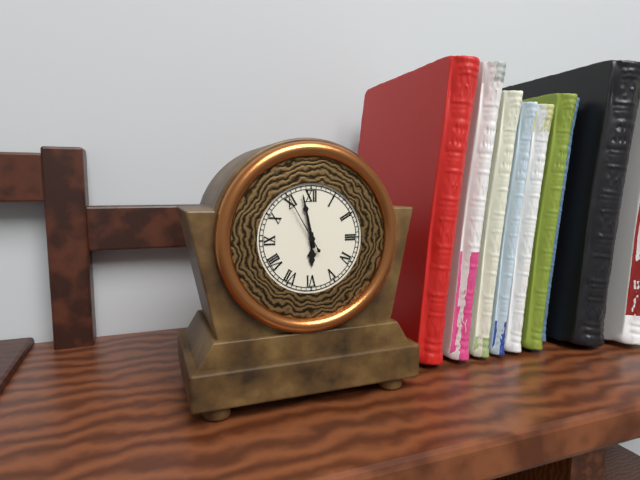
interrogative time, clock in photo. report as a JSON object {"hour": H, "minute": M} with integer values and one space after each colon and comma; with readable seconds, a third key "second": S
{"hour": 5, "minute": 58, "second": 55}
